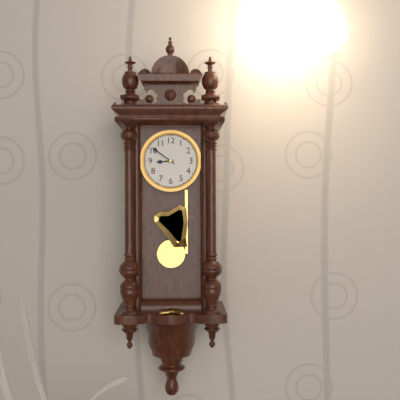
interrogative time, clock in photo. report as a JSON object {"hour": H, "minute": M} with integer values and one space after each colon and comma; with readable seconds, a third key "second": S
{"hour": 8, "minute": 51}
